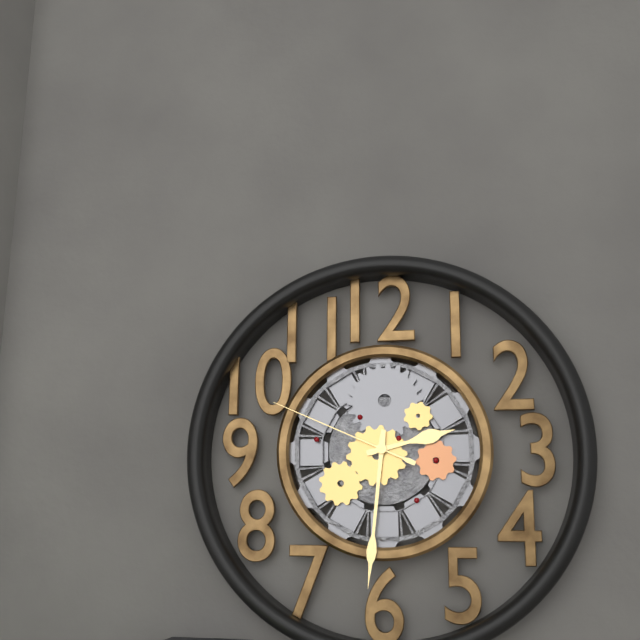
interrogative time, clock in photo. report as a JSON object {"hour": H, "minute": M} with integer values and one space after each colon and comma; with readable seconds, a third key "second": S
{"hour": 2, "minute": 31, "second": 49}
